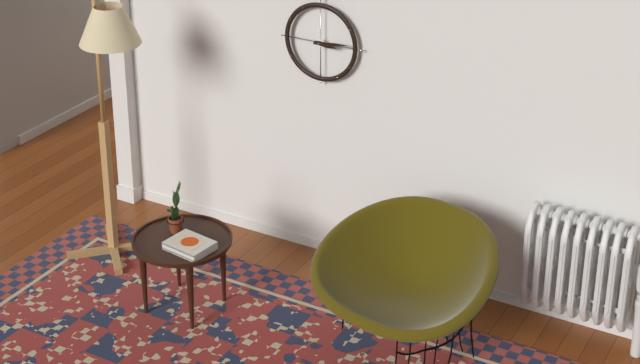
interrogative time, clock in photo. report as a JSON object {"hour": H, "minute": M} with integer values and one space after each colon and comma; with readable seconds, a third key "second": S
{"hour": 3, "minute": 14}
